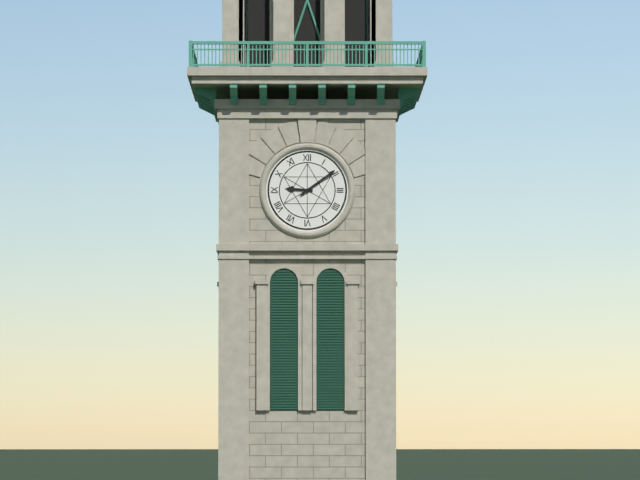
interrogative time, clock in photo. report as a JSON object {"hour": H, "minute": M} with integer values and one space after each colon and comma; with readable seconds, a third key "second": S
{"hour": 9, "minute": 9}
